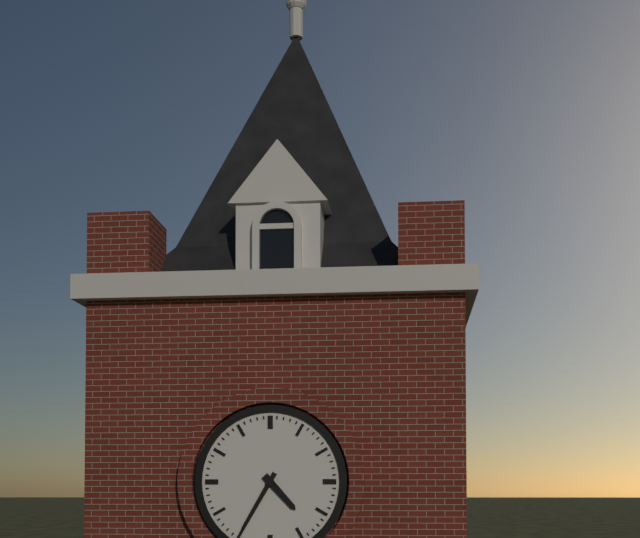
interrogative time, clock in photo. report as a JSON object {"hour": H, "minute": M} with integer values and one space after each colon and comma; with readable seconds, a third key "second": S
{"hour": 4, "minute": 35}
